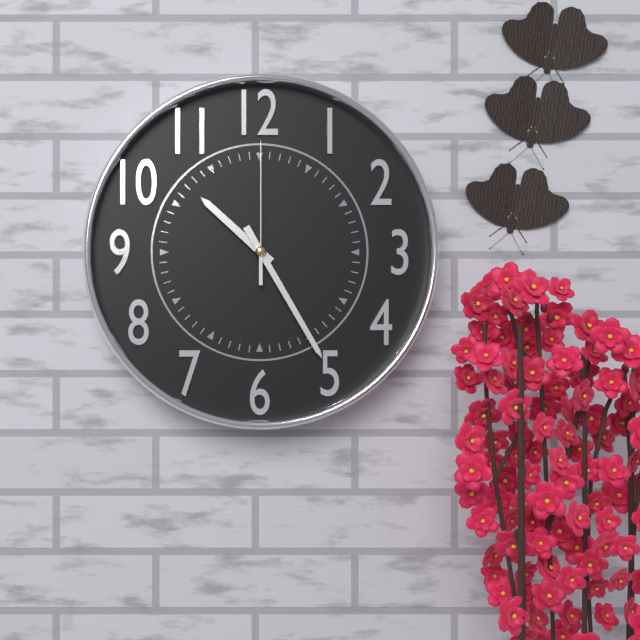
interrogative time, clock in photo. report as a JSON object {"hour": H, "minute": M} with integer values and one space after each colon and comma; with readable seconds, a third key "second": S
{"hour": 10, "minute": 25, "second": 0}
